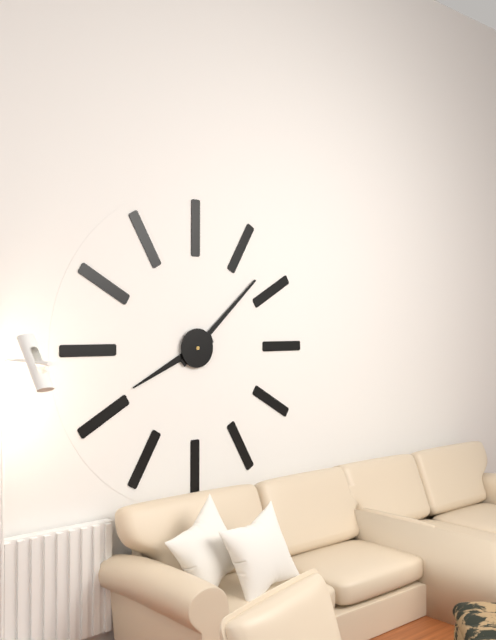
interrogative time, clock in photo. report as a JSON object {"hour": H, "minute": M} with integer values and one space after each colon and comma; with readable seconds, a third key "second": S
{"hour": 8, "minute": 8}
